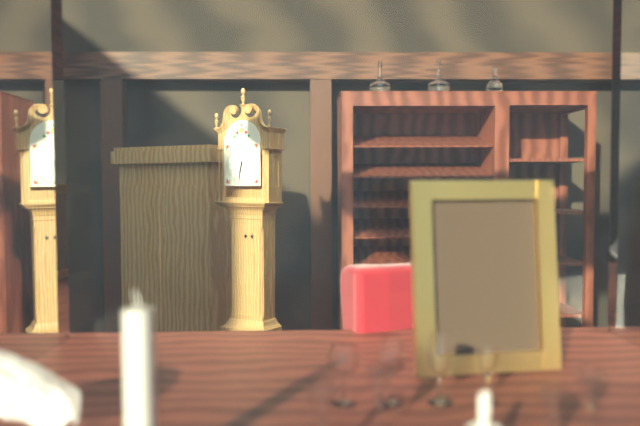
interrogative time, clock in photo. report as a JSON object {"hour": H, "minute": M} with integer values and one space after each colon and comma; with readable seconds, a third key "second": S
{"hour": 6, "minute": 32}
